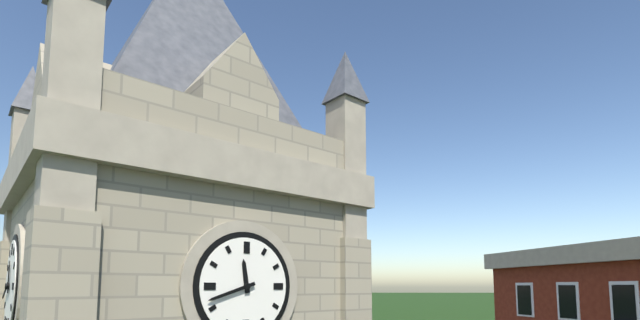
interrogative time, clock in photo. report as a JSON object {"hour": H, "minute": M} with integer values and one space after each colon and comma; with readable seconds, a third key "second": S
{"hour": 11, "minute": 42}
